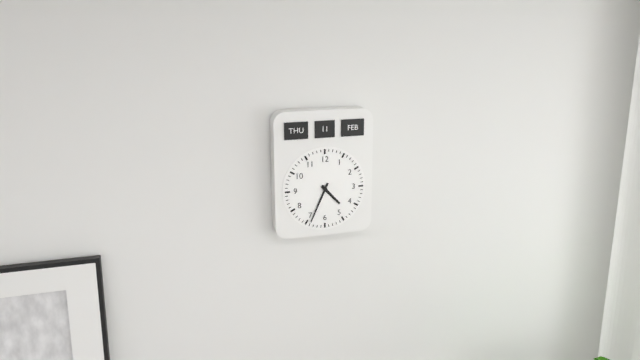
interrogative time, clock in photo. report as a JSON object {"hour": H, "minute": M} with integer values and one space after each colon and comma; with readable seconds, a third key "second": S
{"hour": 4, "minute": 34}
